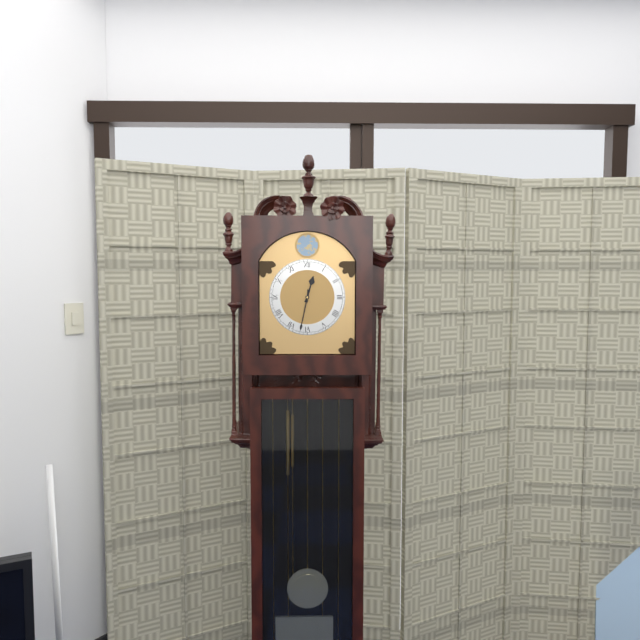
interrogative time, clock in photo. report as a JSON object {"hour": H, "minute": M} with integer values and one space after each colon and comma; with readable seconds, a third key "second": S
{"hour": 12, "minute": 32}
